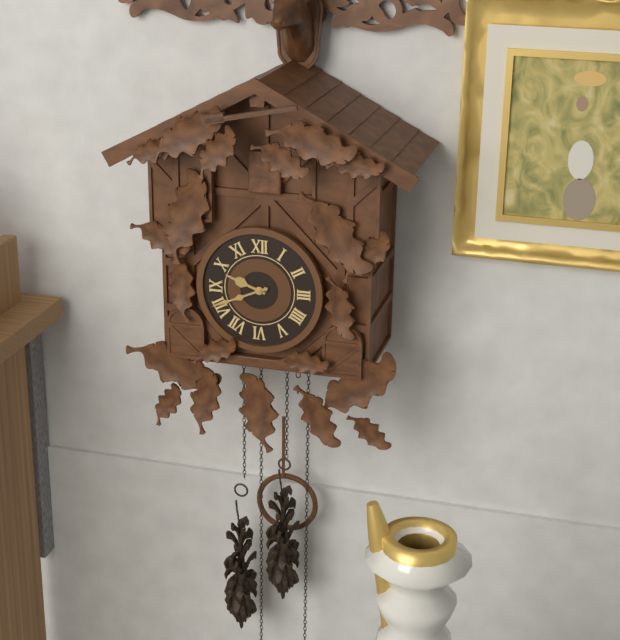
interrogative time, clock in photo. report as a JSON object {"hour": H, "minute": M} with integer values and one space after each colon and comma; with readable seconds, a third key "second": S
{"hour": 9, "minute": 41}
